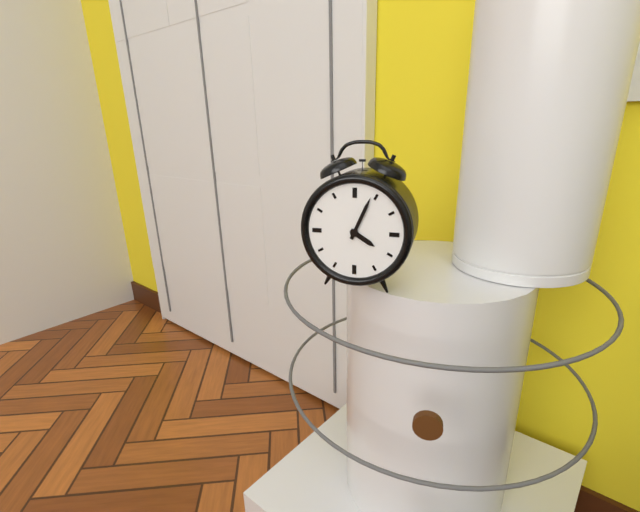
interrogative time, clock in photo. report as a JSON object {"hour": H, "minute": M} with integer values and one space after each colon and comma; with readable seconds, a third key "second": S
{"hour": 4, "minute": 4}
